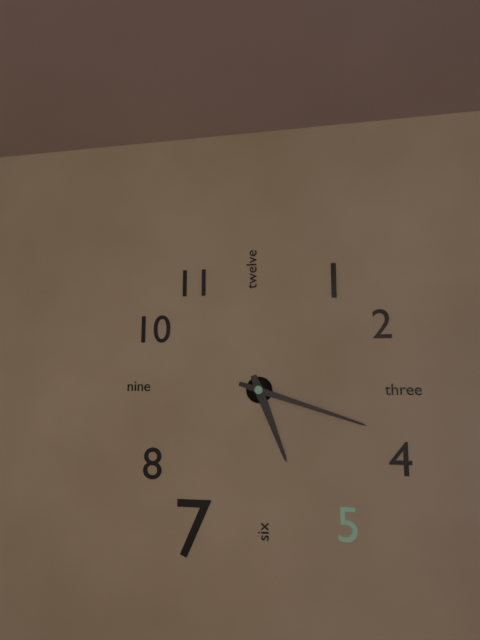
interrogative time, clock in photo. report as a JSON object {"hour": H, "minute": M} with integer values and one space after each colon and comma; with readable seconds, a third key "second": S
{"hour": 5, "minute": 18}
